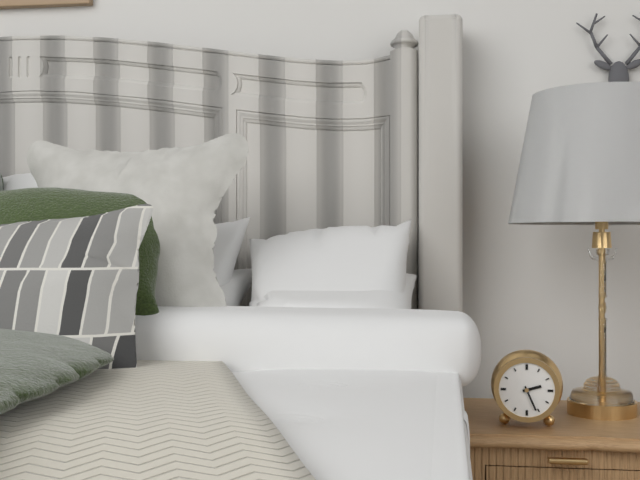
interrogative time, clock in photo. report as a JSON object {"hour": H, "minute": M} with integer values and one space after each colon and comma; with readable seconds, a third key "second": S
{"hour": 2, "minute": 26}
